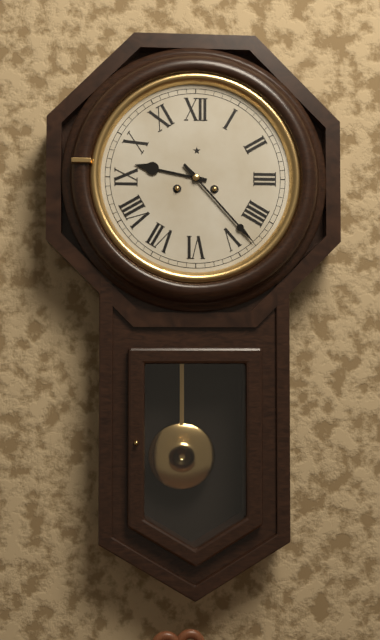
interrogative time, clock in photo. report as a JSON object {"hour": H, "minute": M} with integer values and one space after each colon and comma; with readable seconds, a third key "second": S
{"hour": 9, "minute": 23}
